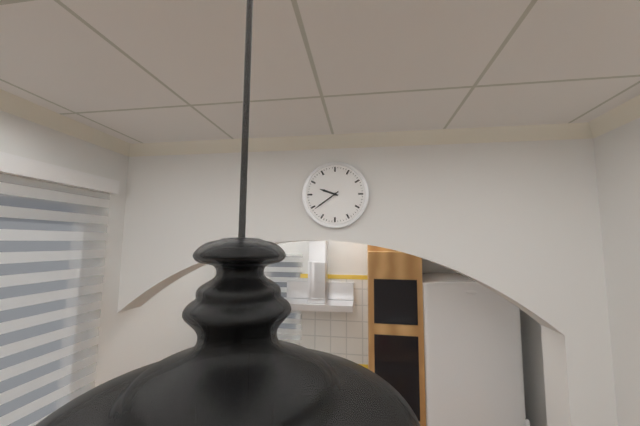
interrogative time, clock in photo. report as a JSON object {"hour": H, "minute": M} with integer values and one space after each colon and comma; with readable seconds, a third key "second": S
{"hour": 9, "minute": 39}
